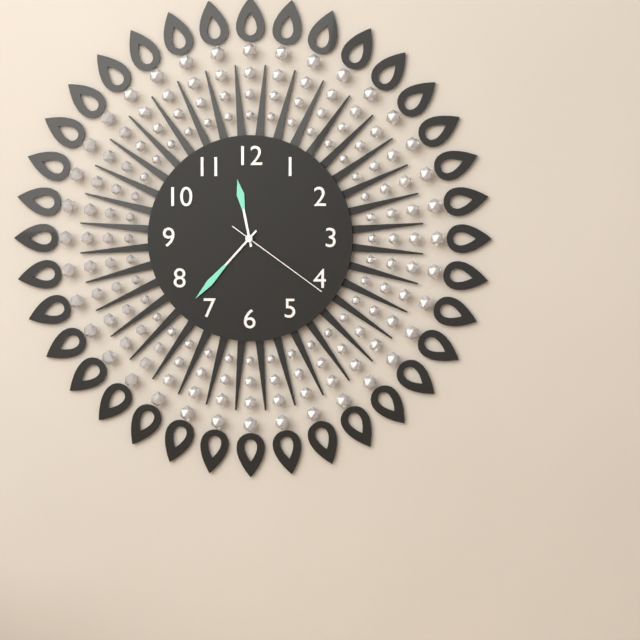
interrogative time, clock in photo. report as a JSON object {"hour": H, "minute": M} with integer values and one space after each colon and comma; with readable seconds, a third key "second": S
{"hour": 11, "minute": 37, "second": 21}
